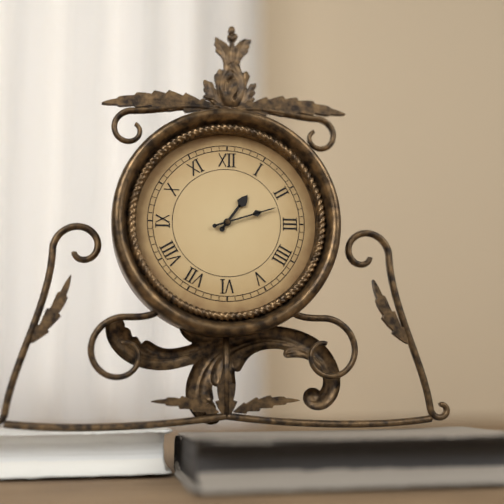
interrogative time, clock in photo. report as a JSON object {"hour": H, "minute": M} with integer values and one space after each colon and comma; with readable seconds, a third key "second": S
{"hour": 1, "minute": 12}
